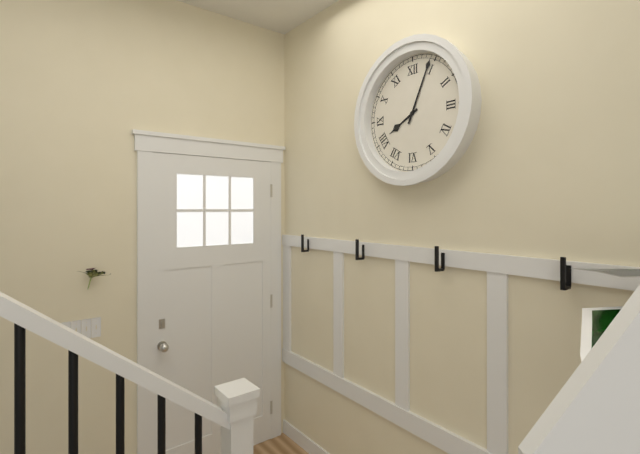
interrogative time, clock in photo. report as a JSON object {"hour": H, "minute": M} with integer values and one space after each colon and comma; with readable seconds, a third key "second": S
{"hour": 8, "minute": 4}
